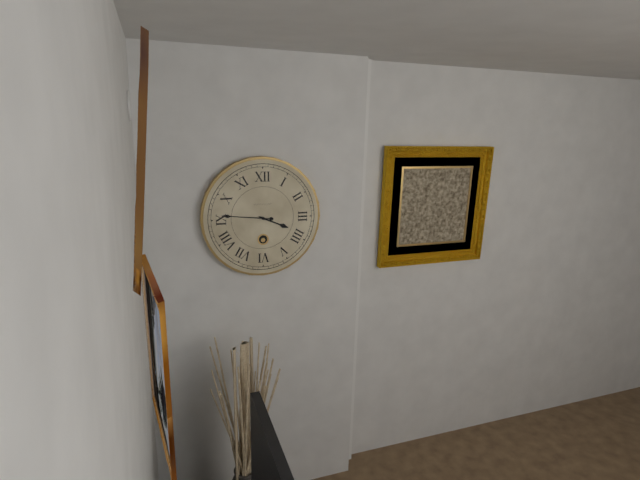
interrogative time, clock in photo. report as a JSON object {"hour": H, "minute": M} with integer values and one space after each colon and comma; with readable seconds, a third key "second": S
{"hour": 3, "minute": 46}
